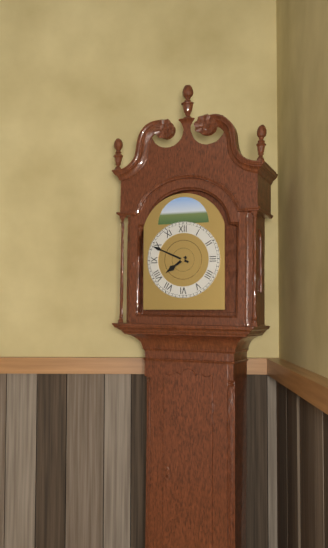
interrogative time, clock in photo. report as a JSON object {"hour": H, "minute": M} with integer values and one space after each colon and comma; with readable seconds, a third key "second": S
{"hour": 7, "minute": 49}
